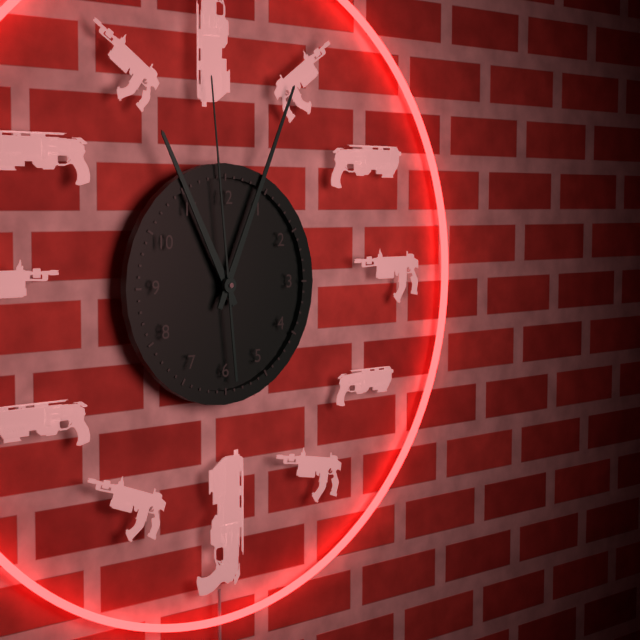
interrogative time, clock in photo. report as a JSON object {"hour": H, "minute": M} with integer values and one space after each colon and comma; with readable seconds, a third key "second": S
{"hour": 11, "minute": 4, "second": 59}
